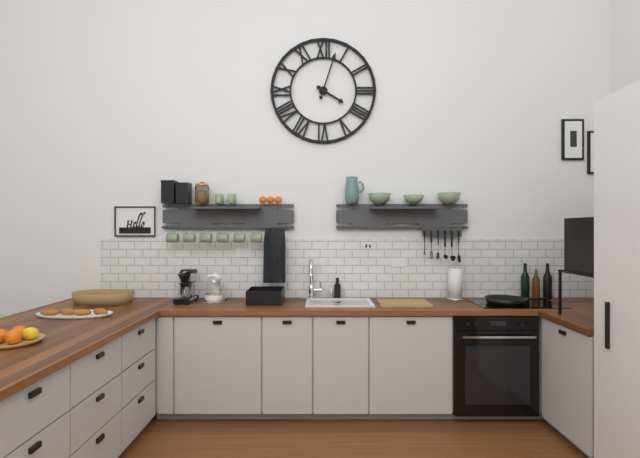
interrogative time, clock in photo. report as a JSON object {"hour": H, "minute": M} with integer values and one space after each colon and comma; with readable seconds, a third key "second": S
{"hour": 4, "minute": 3}
